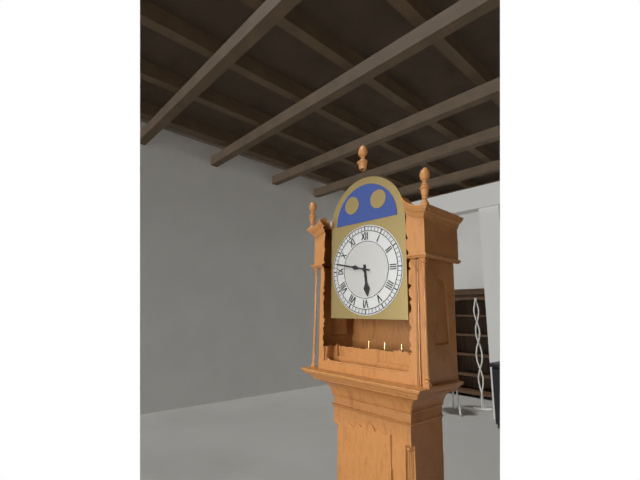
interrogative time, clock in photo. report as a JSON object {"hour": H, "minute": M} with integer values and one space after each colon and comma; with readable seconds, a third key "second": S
{"hour": 5, "minute": 47}
